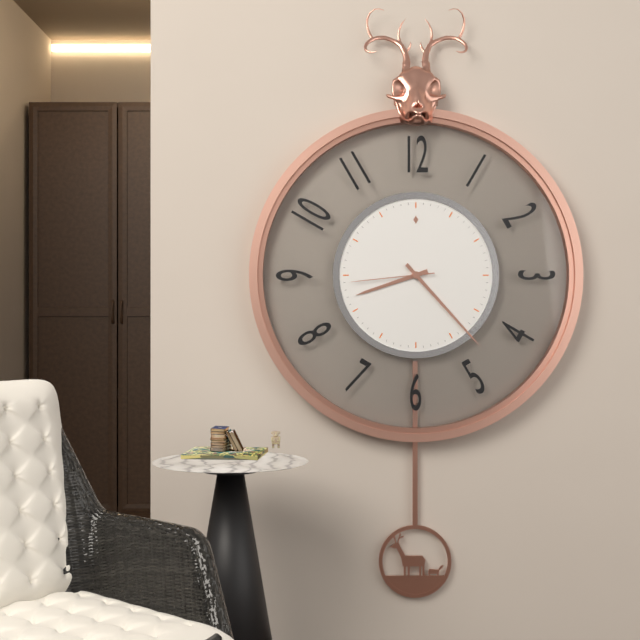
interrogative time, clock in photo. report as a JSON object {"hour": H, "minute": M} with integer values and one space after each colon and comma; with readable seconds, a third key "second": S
{"hour": 8, "minute": 23, "second": 44}
